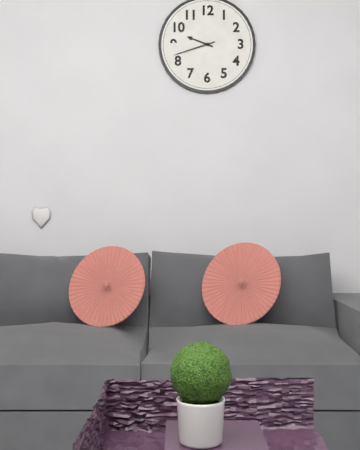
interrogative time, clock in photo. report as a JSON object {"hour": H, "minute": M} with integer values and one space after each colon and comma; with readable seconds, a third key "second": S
{"hour": 9, "minute": 42}
